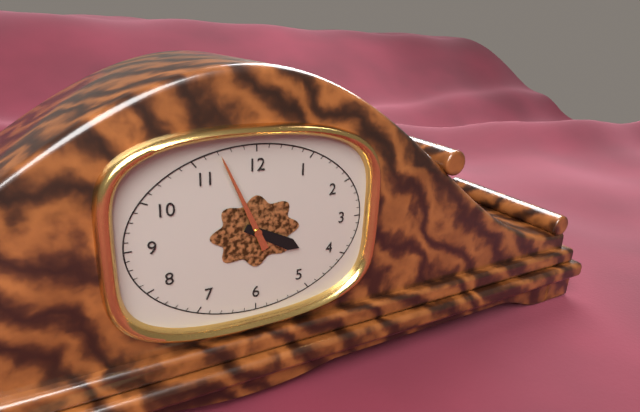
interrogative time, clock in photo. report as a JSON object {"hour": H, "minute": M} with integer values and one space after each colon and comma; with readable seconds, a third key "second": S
{"hour": 3, "minute": 56}
